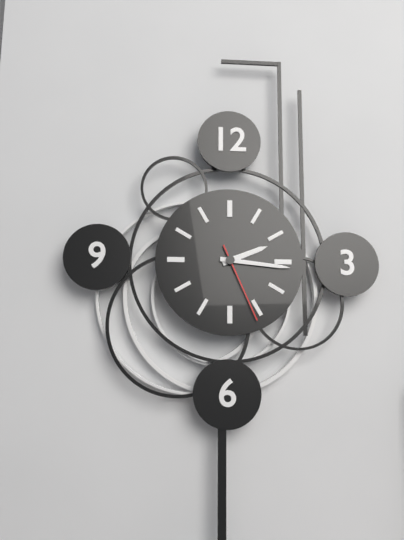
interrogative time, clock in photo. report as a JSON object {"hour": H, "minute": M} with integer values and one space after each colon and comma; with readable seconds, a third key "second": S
{"hour": 2, "minute": 16, "second": 26}
